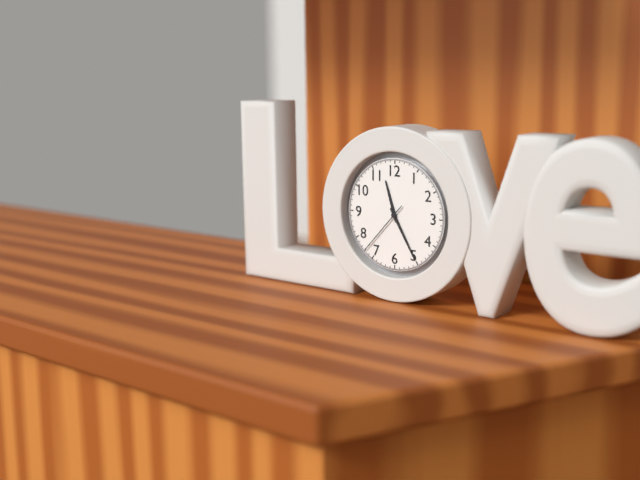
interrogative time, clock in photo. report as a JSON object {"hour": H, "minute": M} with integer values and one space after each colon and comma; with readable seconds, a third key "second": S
{"hour": 11, "minute": 25, "second": 37}
